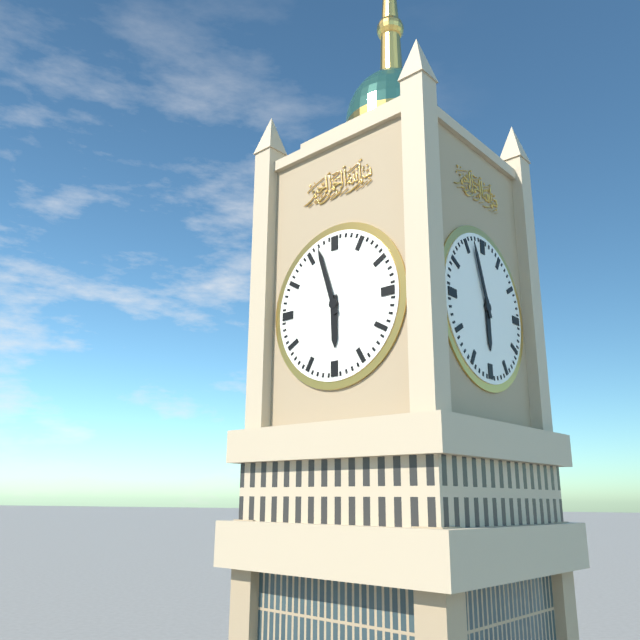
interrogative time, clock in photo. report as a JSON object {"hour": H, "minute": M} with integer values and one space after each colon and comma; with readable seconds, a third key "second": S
{"hour": 5, "minute": 57}
